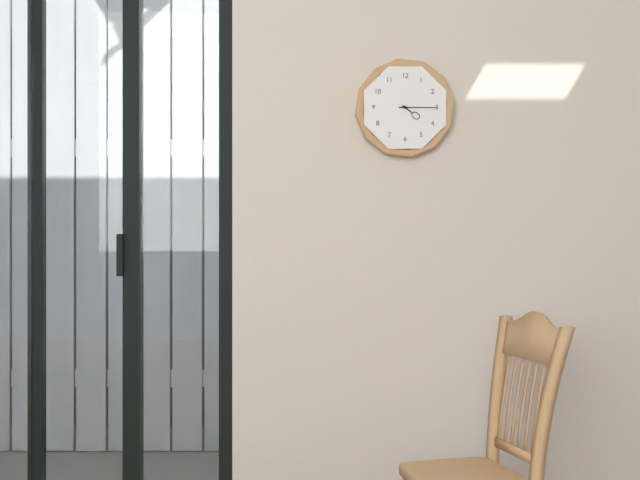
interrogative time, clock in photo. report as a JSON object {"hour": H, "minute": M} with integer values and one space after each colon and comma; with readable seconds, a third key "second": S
{"hour": 4, "minute": 15}
